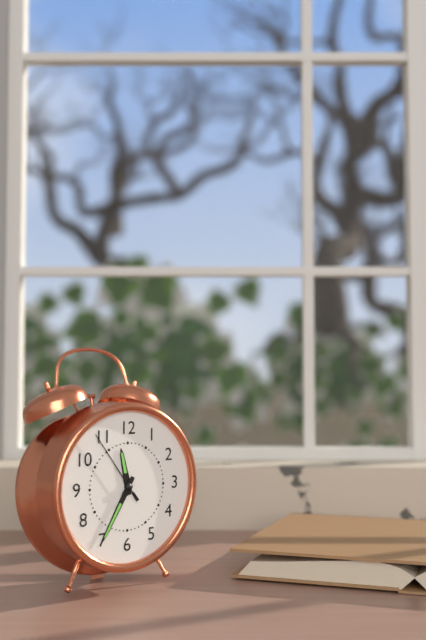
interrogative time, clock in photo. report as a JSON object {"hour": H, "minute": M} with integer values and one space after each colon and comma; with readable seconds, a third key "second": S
{"hour": 11, "minute": 35, "second": 54}
